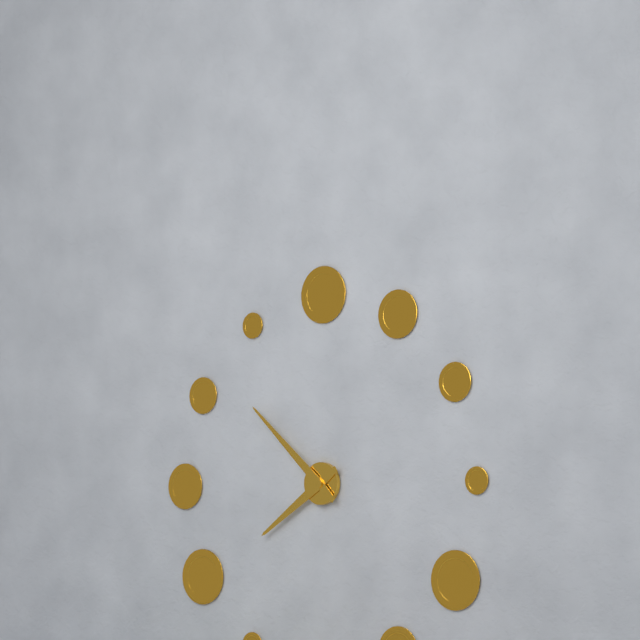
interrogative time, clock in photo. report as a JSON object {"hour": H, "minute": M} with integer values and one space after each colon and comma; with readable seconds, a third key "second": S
{"hour": 7, "minute": 52}
